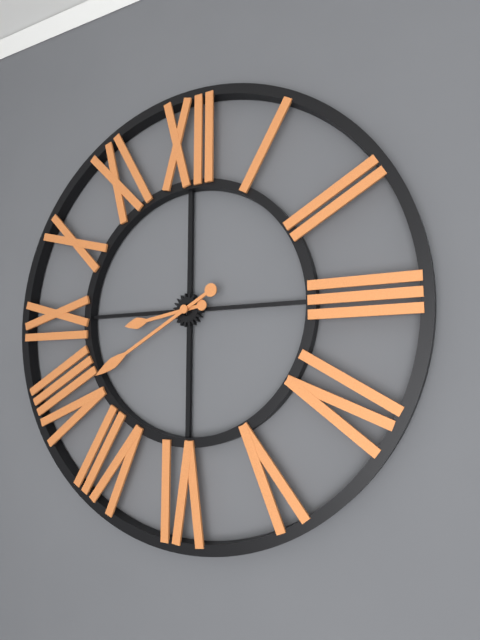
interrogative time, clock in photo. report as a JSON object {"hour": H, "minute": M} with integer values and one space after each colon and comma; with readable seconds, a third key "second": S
{"hour": 8, "minute": 40}
